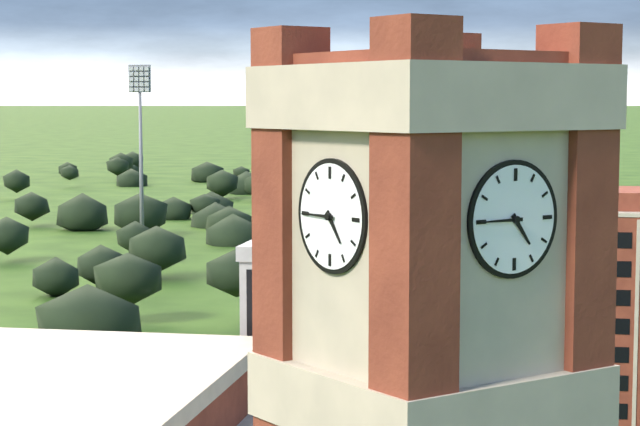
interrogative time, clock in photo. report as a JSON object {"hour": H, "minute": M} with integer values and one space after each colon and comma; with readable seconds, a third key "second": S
{"hour": 4, "minute": 45}
